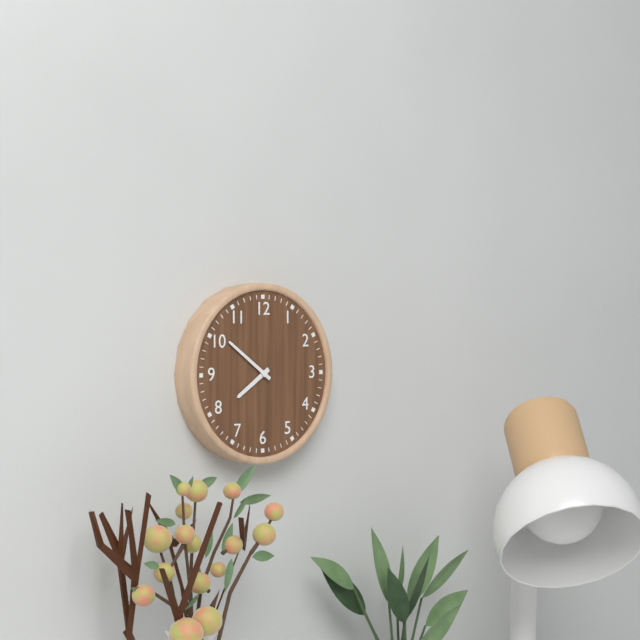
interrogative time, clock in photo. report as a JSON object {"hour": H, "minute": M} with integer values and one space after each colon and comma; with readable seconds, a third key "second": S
{"hour": 7, "minute": 51}
